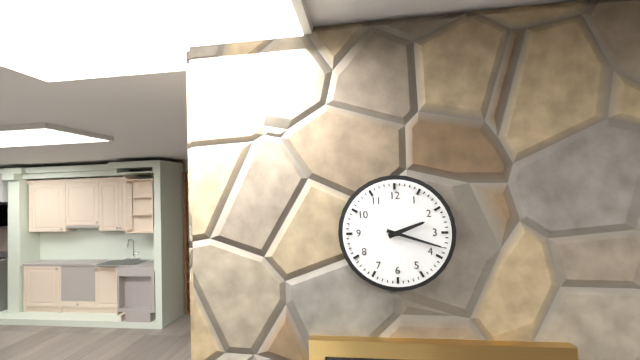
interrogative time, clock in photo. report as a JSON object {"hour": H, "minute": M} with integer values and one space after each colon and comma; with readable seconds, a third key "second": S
{"hour": 2, "minute": 18}
